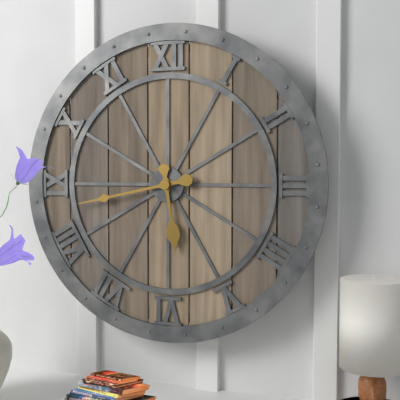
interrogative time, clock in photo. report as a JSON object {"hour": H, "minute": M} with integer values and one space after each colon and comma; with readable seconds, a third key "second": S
{"hour": 5, "minute": 43}
